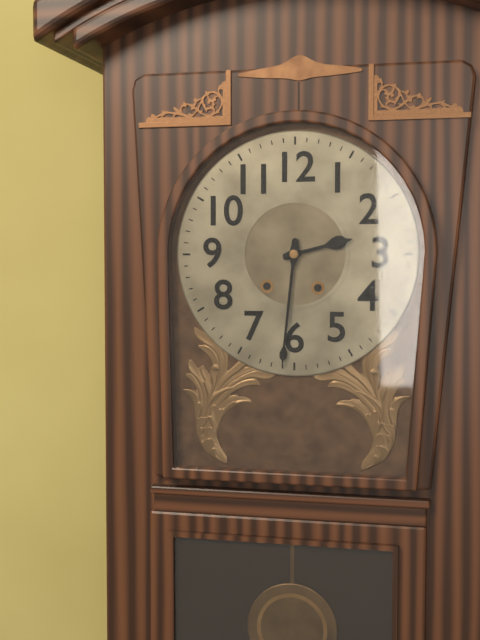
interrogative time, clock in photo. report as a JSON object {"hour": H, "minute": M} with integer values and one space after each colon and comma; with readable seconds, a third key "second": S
{"hour": 2, "minute": 31}
